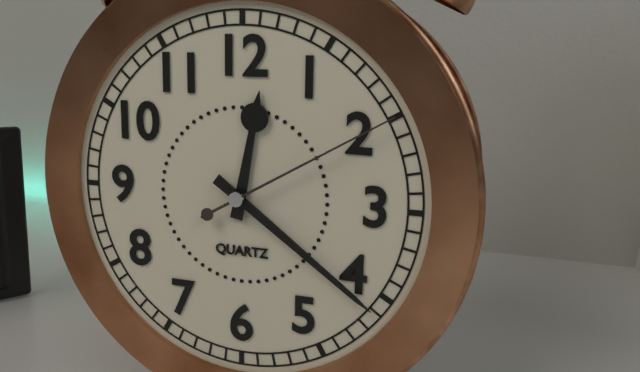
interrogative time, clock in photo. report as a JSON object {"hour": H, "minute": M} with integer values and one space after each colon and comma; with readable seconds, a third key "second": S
{"hour": 12, "minute": 21, "second": 10}
